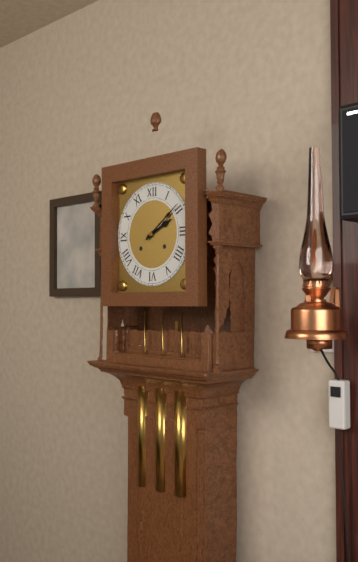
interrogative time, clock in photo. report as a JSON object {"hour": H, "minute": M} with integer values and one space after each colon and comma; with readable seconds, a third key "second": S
{"hour": 2, "minute": 9}
